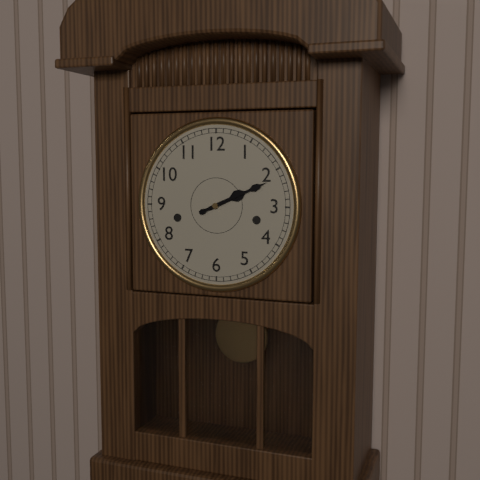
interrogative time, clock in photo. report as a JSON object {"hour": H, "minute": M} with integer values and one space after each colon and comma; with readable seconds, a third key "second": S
{"hour": 2, "minute": 11}
